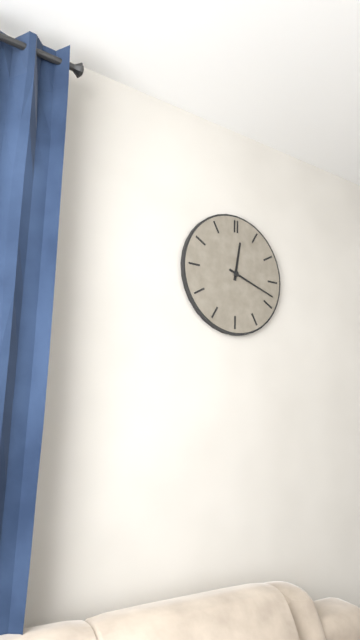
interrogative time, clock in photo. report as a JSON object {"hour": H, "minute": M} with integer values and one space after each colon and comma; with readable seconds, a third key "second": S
{"hour": 12, "minute": 18}
